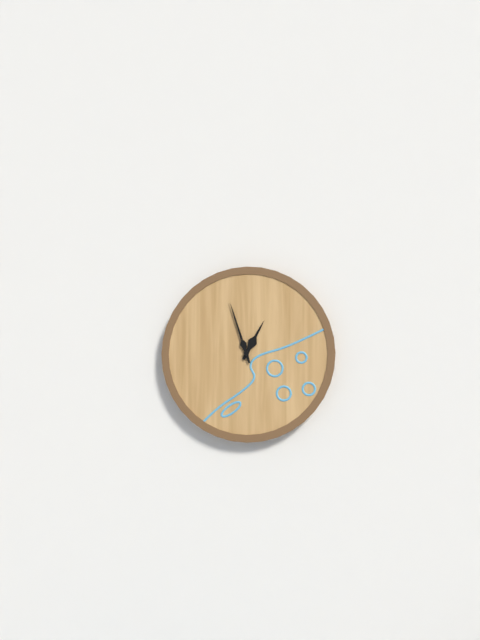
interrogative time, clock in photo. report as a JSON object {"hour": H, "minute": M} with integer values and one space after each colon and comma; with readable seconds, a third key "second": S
{"hour": 12, "minute": 57}
